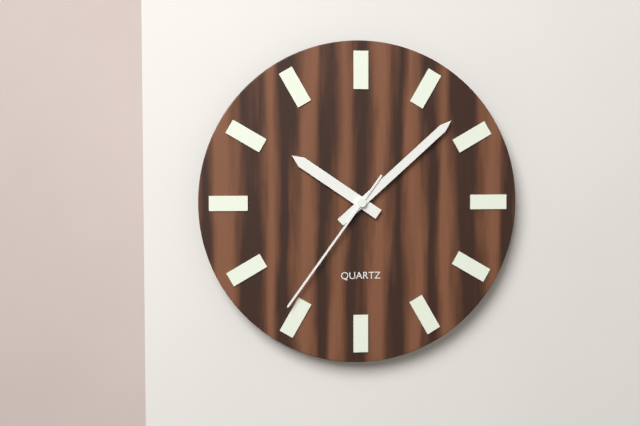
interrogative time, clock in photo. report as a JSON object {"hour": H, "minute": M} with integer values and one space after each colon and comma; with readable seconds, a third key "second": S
{"hour": 10, "minute": 8, "second": 36}
